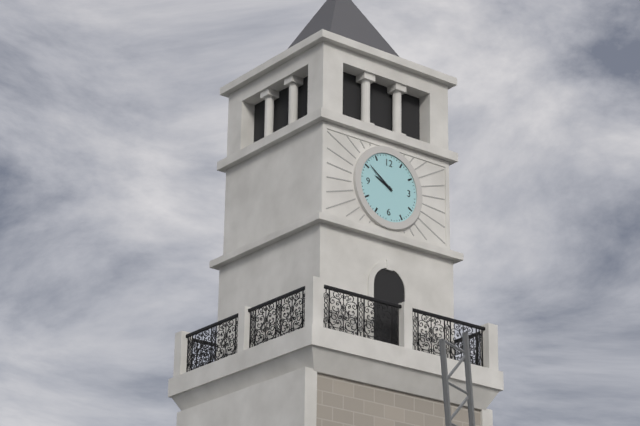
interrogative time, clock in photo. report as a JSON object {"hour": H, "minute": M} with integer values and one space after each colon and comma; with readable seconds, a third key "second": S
{"hour": 9, "minute": 51}
